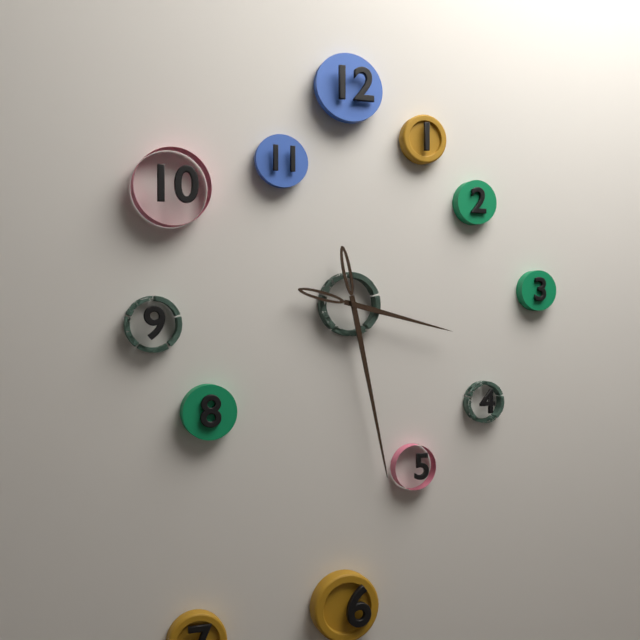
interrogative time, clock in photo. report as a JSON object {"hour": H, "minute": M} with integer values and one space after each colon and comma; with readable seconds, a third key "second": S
{"hour": 3, "minute": 28}
